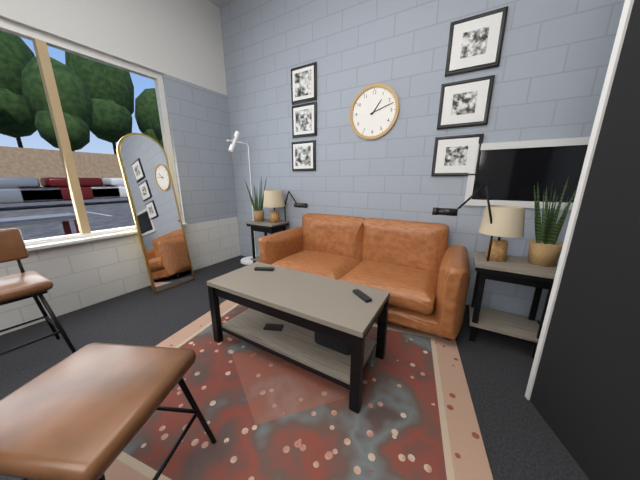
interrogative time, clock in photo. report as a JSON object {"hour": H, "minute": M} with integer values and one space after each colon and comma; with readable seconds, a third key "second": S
{"hour": 1, "minute": 12}
